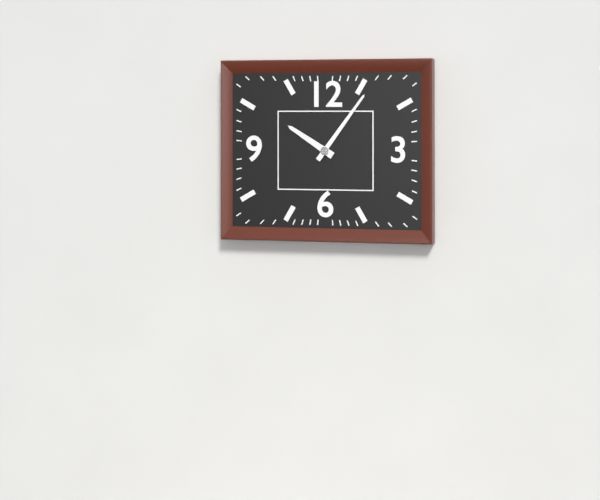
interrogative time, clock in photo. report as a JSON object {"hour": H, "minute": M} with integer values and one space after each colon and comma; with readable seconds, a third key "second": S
{"hour": 10, "minute": 6}
